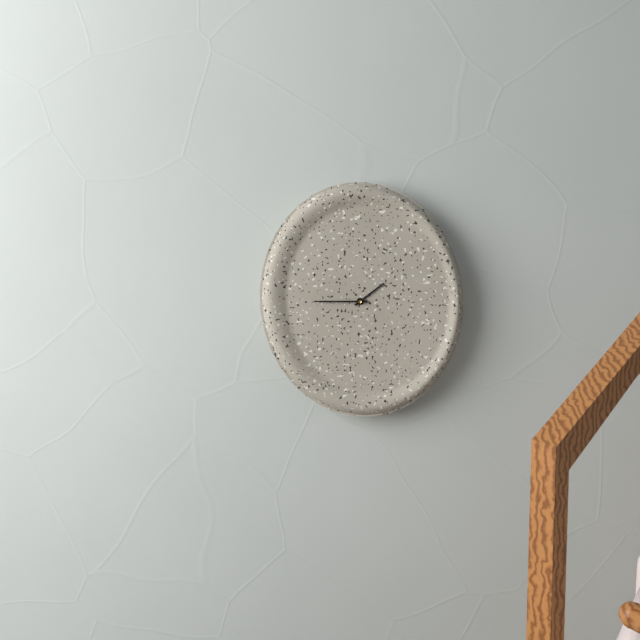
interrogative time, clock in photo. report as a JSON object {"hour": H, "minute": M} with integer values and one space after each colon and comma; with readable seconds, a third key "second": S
{"hour": 1, "minute": 45}
